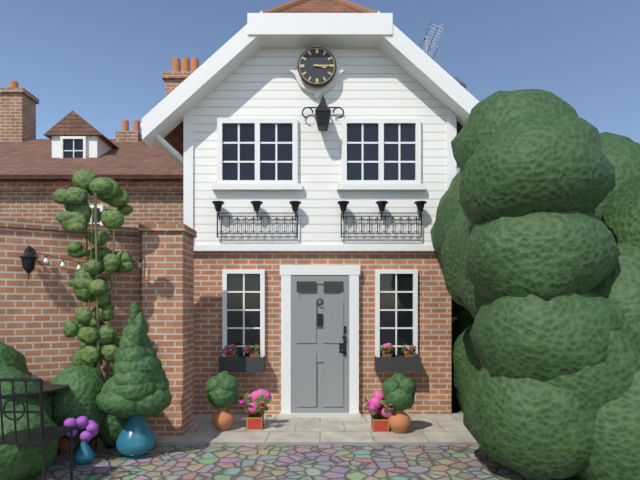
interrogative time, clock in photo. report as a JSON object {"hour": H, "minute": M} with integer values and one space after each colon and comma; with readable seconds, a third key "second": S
{"hour": 3, "minute": 15}
